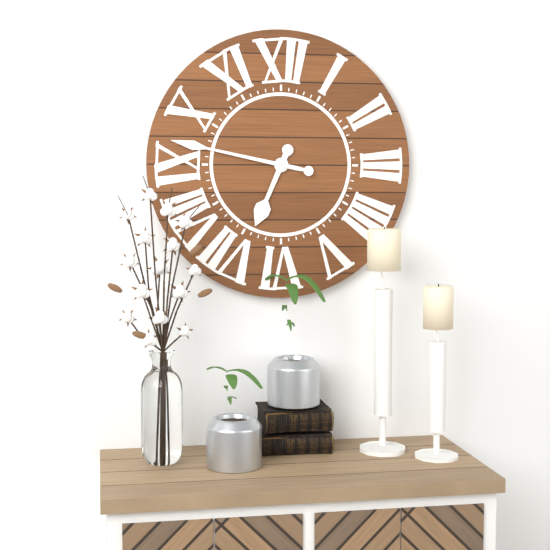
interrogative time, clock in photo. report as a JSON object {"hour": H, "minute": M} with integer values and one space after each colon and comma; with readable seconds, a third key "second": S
{"hour": 6, "minute": 47}
